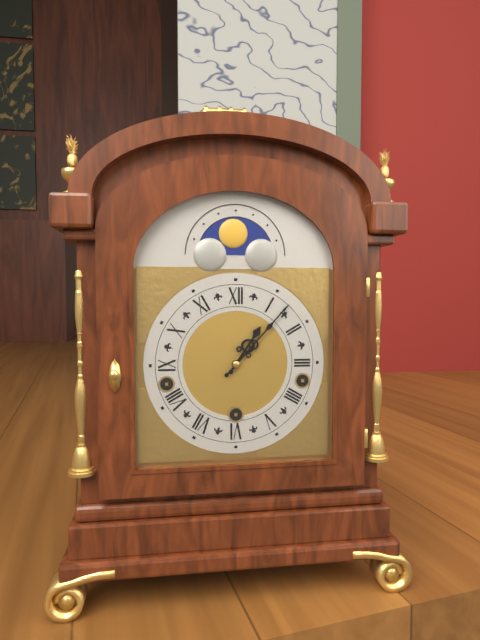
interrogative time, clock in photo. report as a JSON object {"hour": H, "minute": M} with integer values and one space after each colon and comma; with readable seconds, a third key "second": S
{"hour": 1, "minute": 7}
